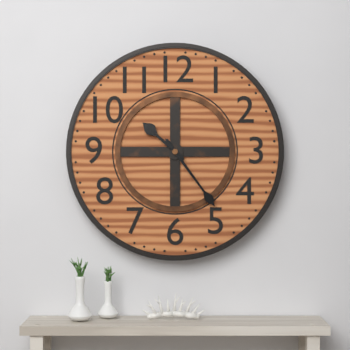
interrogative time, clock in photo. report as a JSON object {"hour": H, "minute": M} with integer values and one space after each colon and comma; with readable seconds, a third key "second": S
{"hour": 10, "minute": 24}
